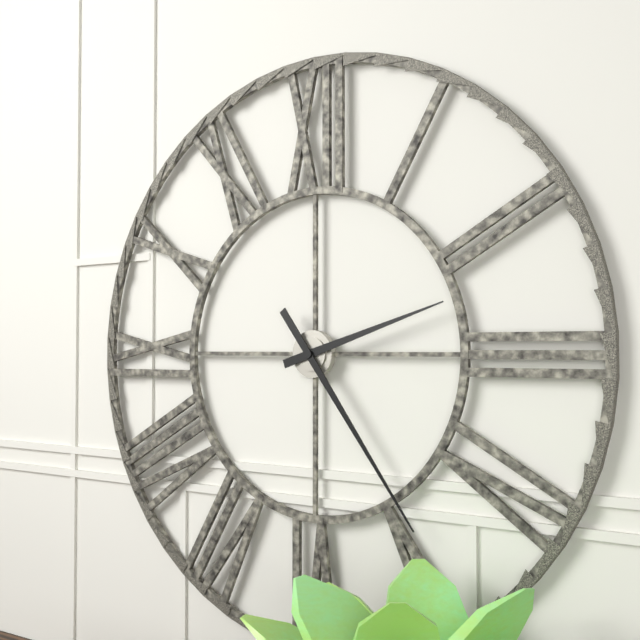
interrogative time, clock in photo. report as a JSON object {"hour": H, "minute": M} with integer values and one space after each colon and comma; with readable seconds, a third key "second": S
{"hour": 2, "minute": 24}
